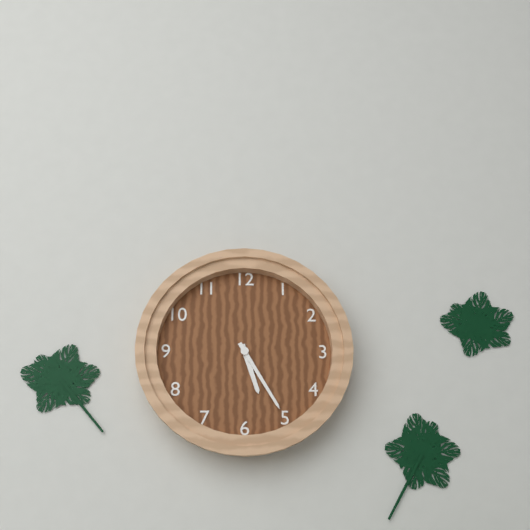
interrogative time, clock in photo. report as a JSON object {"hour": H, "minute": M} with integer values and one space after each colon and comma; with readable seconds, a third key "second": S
{"hour": 5, "minute": 25}
